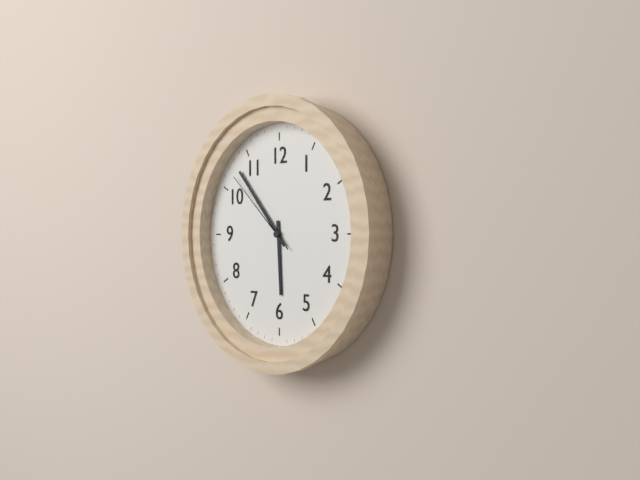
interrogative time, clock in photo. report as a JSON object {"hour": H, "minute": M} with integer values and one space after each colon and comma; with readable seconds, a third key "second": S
{"hour": 5, "minute": 53, "second": 52}
